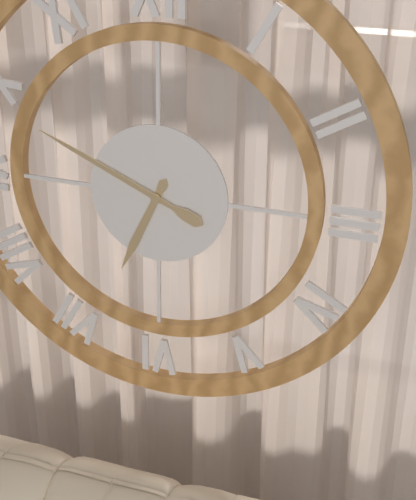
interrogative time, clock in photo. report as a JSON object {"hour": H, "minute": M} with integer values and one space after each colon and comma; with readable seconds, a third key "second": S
{"hour": 6, "minute": 49}
